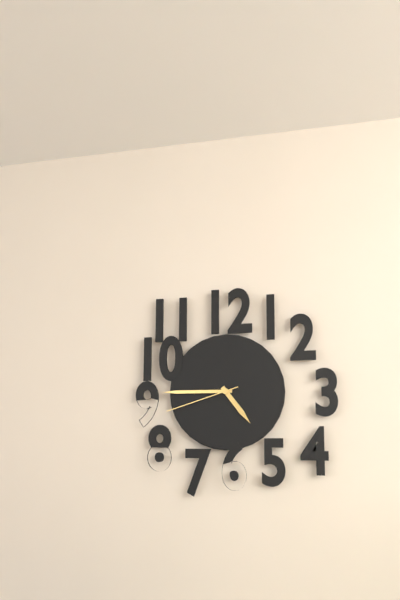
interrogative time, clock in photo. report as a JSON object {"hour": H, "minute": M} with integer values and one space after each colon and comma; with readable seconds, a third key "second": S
{"hour": 4, "minute": 45, "second": 42}
